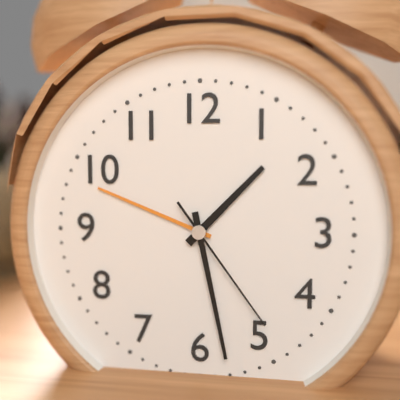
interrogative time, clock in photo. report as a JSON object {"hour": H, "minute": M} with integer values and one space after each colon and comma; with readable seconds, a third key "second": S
{"hour": 1, "minute": 28, "second": 24}
